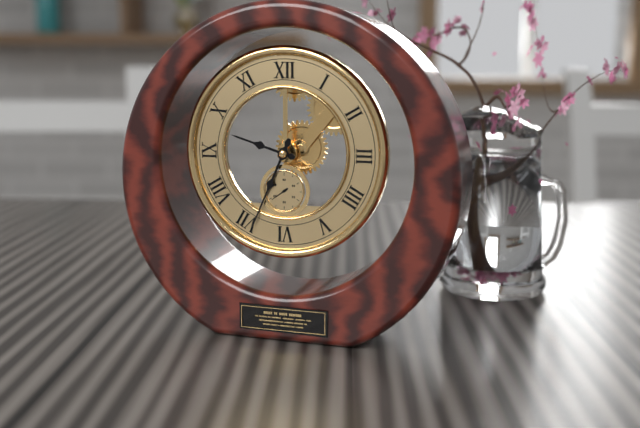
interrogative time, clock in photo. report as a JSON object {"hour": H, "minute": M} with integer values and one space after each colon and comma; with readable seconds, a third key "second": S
{"hour": 9, "minute": 34}
